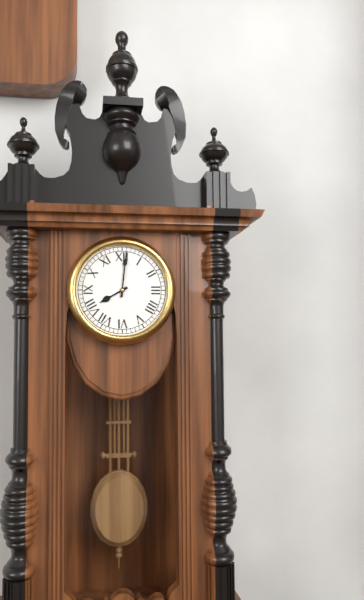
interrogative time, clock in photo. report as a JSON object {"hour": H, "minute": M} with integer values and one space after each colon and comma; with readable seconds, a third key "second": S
{"hour": 8, "minute": 1}
